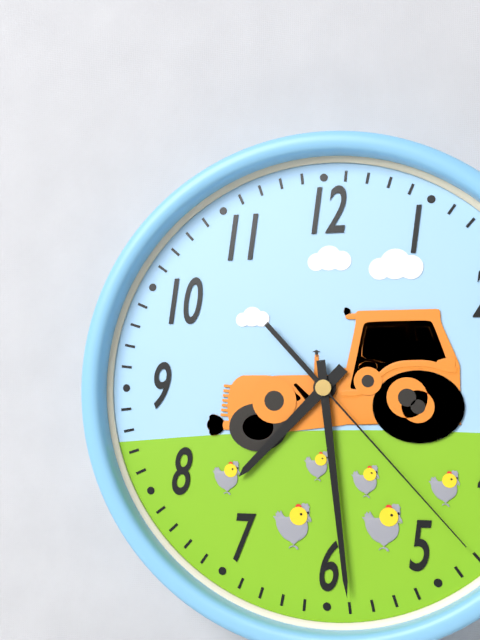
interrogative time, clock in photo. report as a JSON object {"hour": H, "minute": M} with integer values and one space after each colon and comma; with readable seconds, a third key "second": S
{"hour": 7, "minute": 29, "second": 23}
